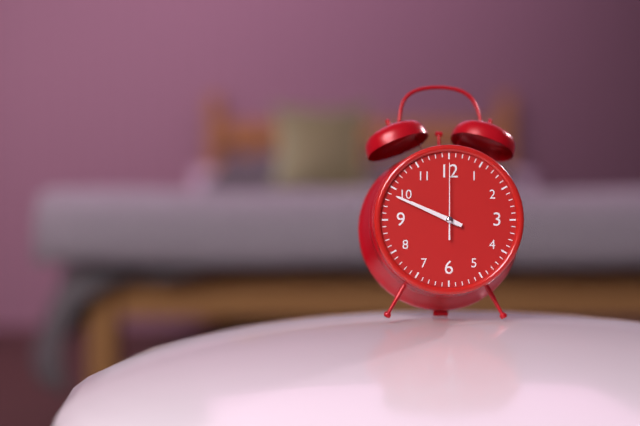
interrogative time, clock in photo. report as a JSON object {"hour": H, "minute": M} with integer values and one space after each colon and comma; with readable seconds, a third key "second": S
{"hour": 9, "minute": 49, "second": 0}
